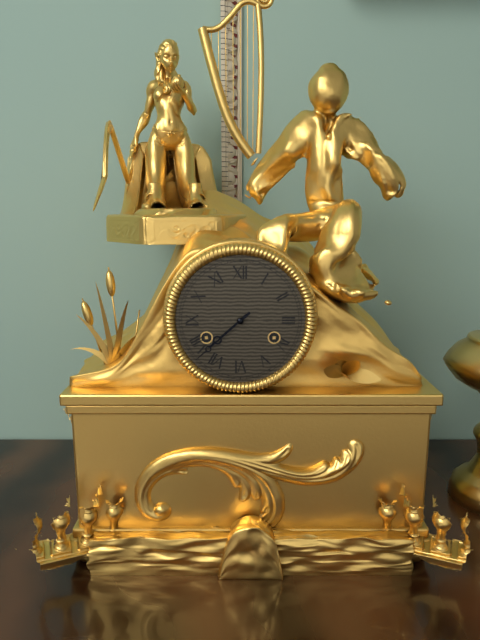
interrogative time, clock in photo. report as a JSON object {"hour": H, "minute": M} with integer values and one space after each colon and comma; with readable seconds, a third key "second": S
{"hour": 7, "minute": 38}
